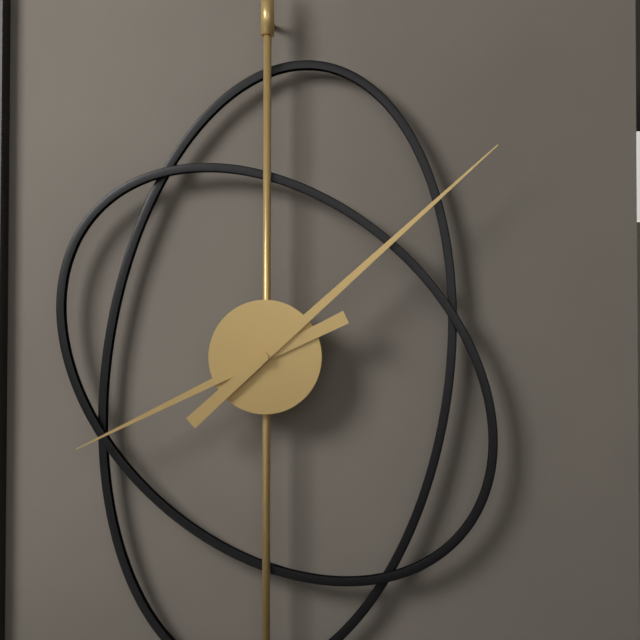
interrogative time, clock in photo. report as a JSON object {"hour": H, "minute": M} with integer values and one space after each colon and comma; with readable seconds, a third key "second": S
{"hour": 8, "minute": 8}
